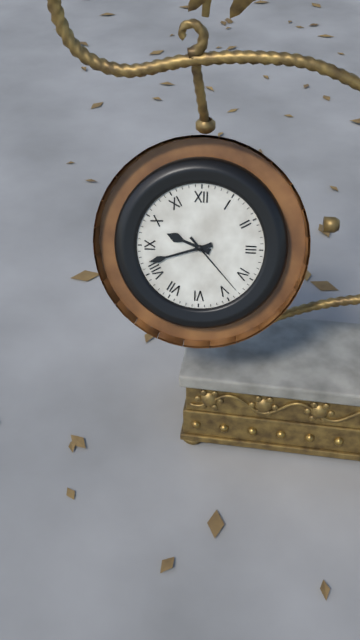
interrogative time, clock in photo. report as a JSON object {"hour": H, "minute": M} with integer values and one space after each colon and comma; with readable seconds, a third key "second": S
{"hour": 9, "minute": 42, "second": 23}
